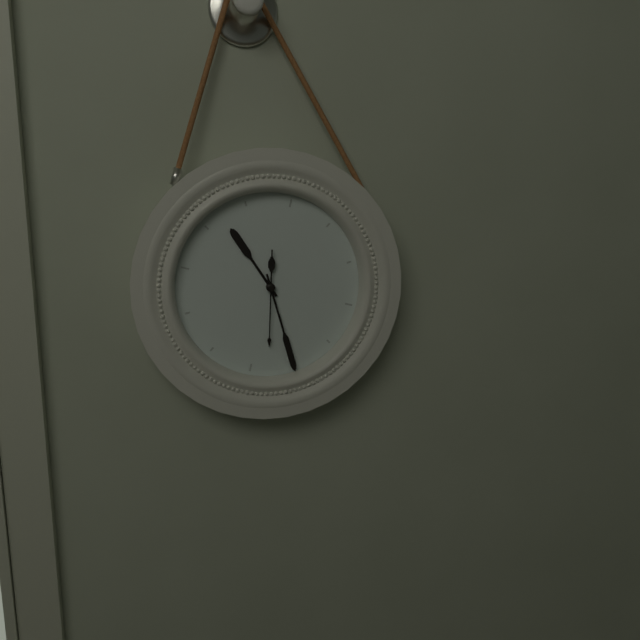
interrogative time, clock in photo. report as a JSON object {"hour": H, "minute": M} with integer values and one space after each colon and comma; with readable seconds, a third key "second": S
{"hour": 10, "minute": 25, "second": 28}
